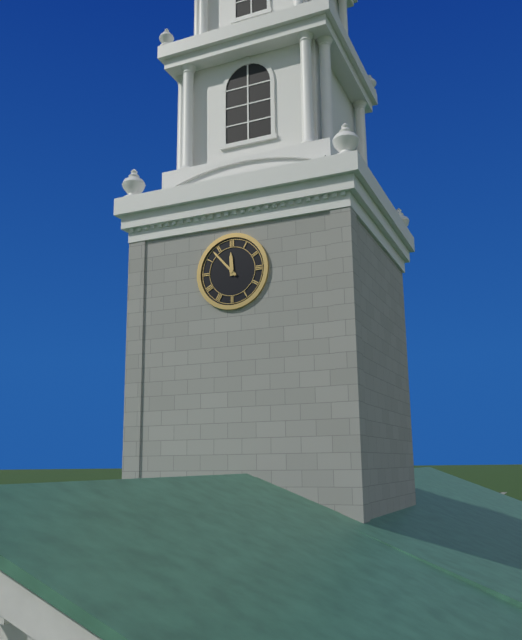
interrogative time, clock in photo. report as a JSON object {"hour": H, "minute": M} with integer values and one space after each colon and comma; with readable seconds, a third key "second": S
{"hour": 11, "minute": 53}
